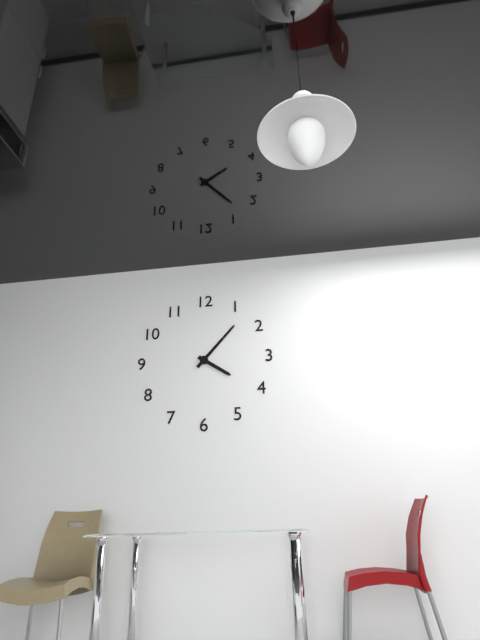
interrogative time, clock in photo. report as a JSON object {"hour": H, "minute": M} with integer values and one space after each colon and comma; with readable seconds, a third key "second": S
{"hour": 4, "minute": 7}
